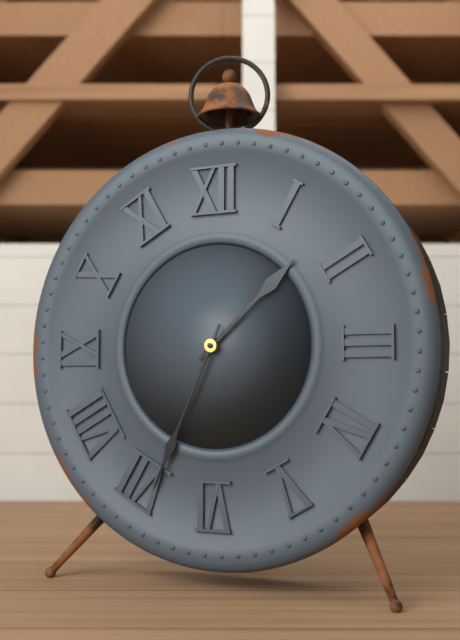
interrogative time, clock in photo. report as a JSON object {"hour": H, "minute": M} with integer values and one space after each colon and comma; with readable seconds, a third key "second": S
{"hour": 1, "minute": 34}
